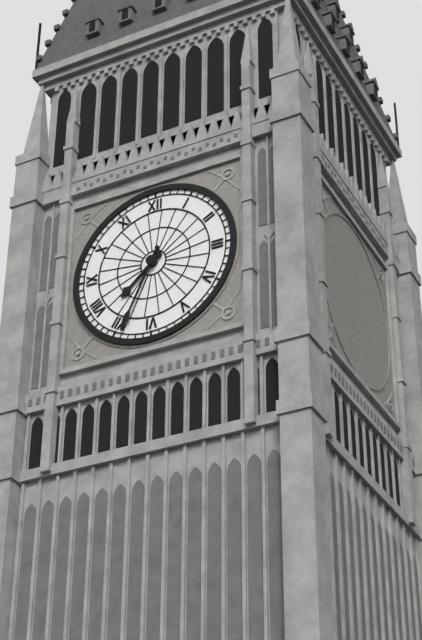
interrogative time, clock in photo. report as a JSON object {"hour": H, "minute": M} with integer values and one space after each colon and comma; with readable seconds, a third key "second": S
{"hour": 7, "minute": 34}
